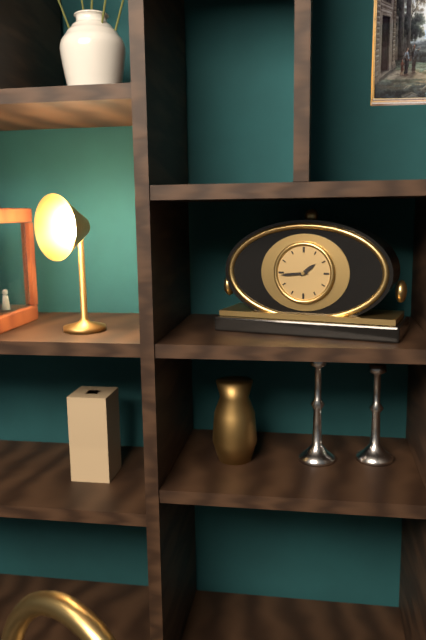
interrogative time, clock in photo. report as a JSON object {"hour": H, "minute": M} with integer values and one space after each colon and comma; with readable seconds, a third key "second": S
{"hour": 1, "minute": 44}
